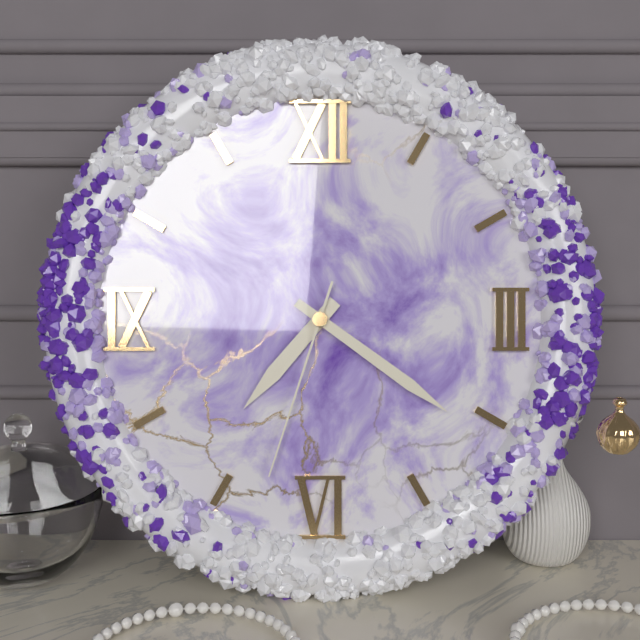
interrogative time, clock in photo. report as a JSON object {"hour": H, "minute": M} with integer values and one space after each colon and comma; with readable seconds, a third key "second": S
{"hour": 7, "minute": 21, "second": 33}
